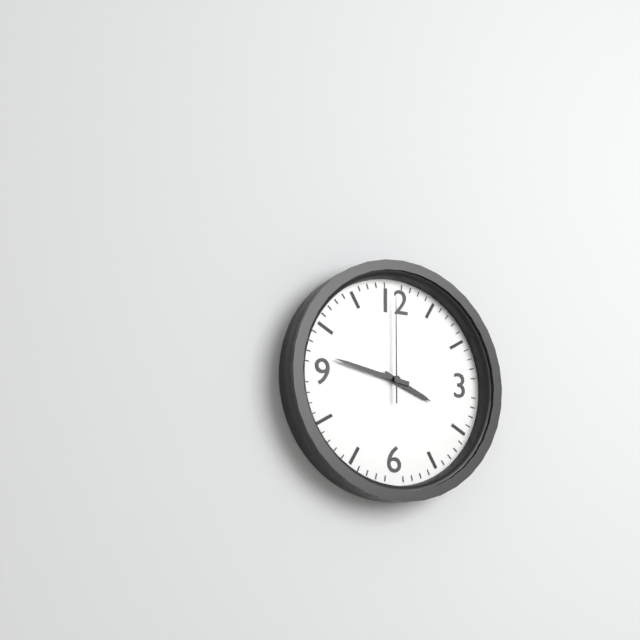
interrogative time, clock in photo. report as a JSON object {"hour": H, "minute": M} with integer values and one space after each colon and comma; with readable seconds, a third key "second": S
{"hour": 3, "minute": 47, "second": 0}
